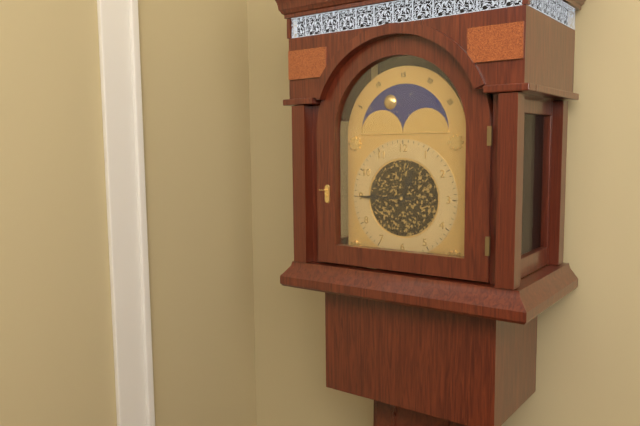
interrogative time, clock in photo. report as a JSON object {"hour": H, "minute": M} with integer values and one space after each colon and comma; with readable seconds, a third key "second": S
{"hour": 12, "minute": 45}
